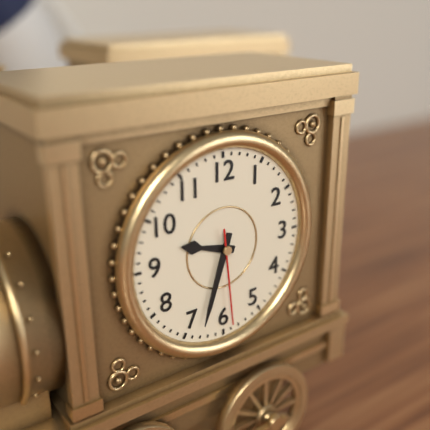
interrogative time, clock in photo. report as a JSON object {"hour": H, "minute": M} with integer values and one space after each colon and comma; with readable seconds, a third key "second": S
{"hour": 9, "minute": 33, "second": 29}
